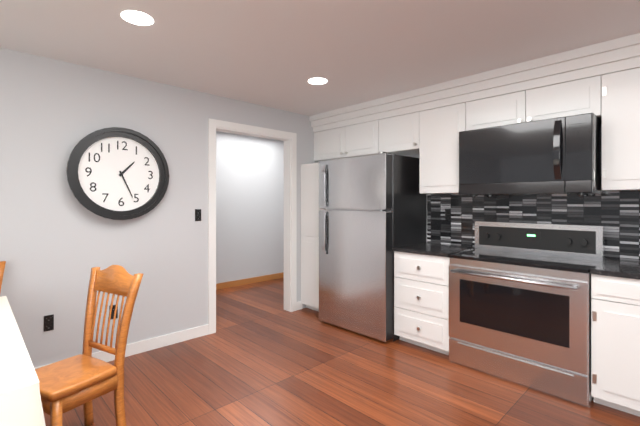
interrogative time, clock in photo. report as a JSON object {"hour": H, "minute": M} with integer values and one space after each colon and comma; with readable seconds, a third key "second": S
{"hour": 1, "minute": 26}
